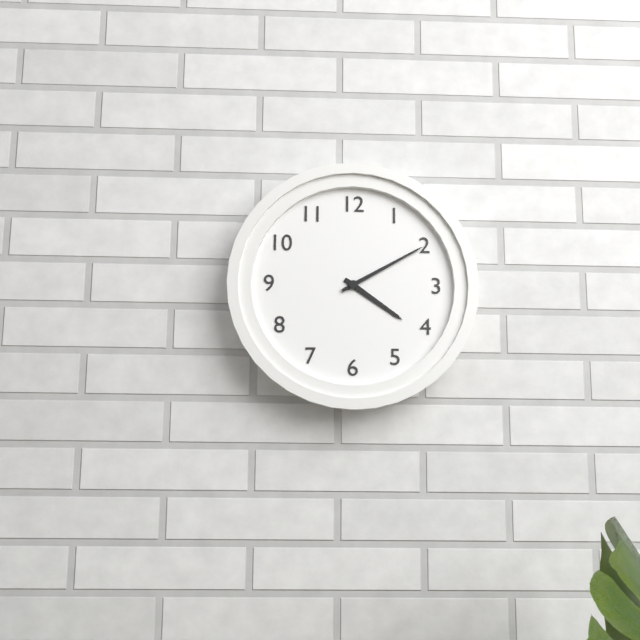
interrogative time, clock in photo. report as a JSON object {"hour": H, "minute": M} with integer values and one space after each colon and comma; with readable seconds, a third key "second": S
{"hour": 4, "minute": 10}
